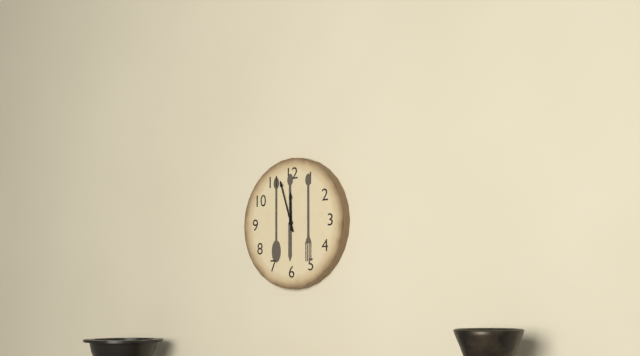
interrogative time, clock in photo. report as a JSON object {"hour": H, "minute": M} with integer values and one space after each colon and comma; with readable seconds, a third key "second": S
{"hour": 11, "minute": 57}
